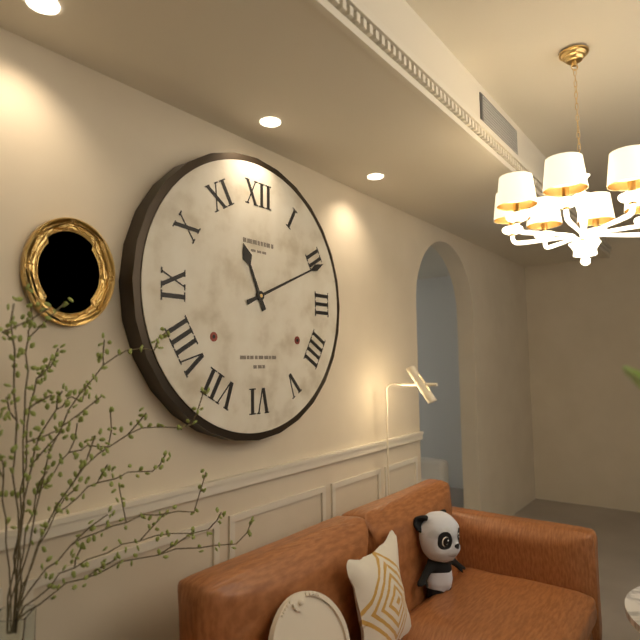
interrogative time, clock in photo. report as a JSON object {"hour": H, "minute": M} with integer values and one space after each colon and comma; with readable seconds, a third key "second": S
{"hour": 11, "minute": 11}
